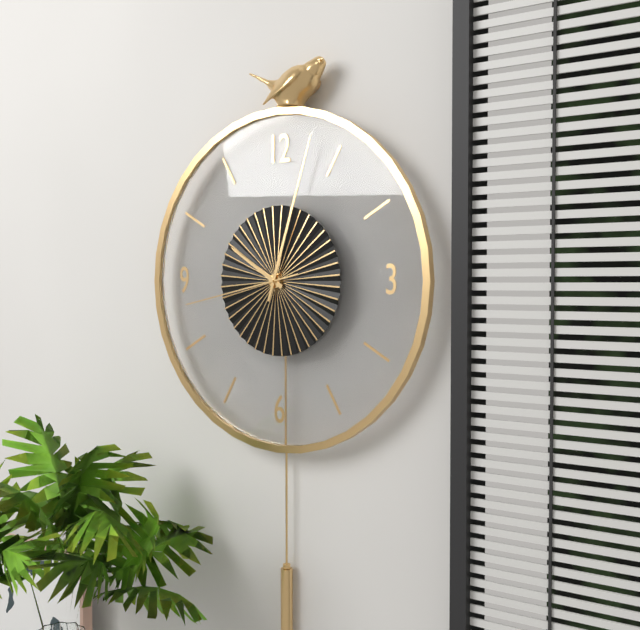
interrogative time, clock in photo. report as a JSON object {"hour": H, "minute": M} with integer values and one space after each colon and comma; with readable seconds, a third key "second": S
{"hour": 10, "minute": 3, "second": 43}
